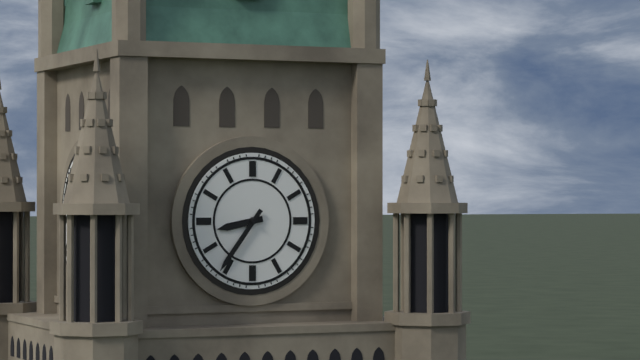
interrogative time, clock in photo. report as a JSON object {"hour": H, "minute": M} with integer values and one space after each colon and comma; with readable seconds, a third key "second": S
{"hour": 8, "minute": 36}
